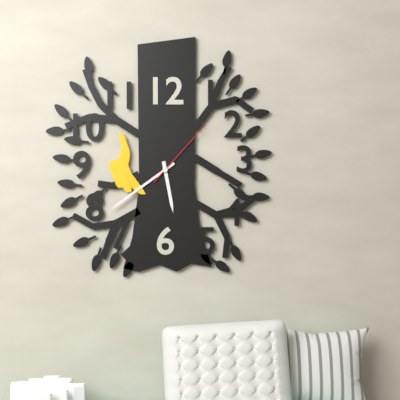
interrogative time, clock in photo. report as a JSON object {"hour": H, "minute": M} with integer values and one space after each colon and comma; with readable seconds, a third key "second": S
{"hour": 5, "minute": 39, "second": 7}
